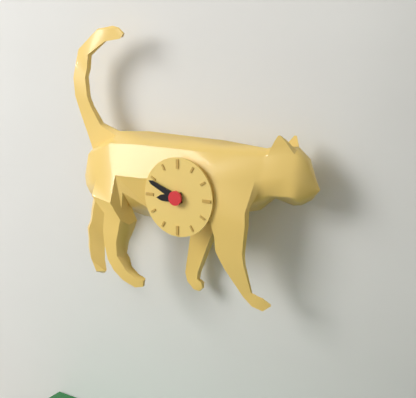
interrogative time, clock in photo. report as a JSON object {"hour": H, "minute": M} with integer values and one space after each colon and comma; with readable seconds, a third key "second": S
{"hour": 8, "minute": 49}
